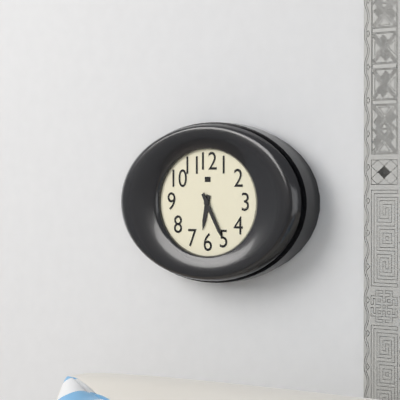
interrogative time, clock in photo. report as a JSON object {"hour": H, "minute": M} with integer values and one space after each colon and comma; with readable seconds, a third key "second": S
{"hour": 6, "minute": 25}
